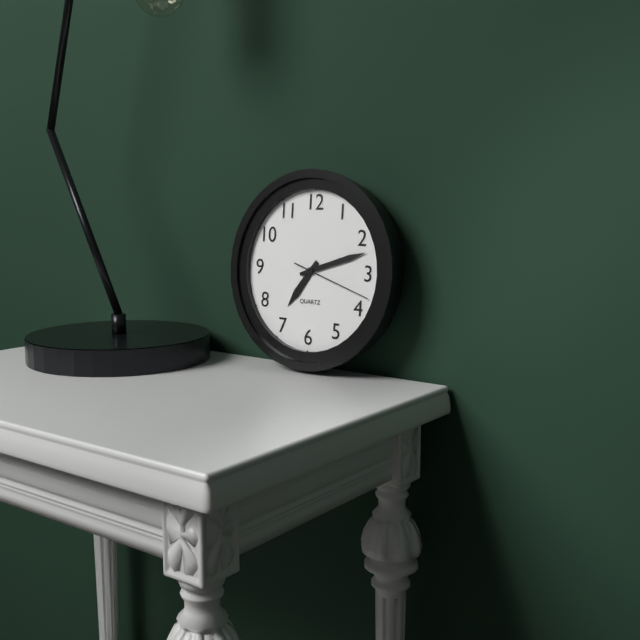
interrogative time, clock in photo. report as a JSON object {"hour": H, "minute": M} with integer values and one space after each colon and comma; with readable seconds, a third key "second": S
{"hour": 7, "minute": 12, "second": 18}
